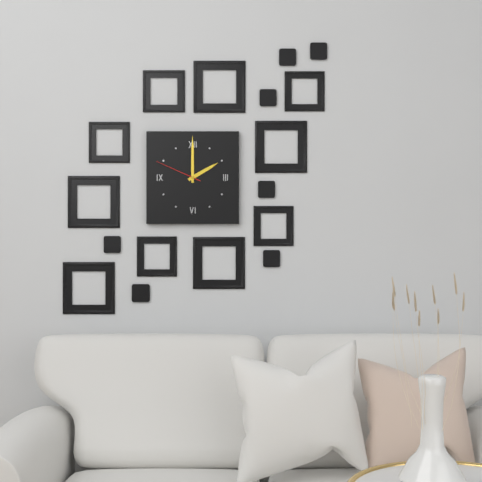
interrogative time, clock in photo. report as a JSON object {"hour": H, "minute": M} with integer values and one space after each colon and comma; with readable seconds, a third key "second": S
{"hour": 2, "minute": 0}
